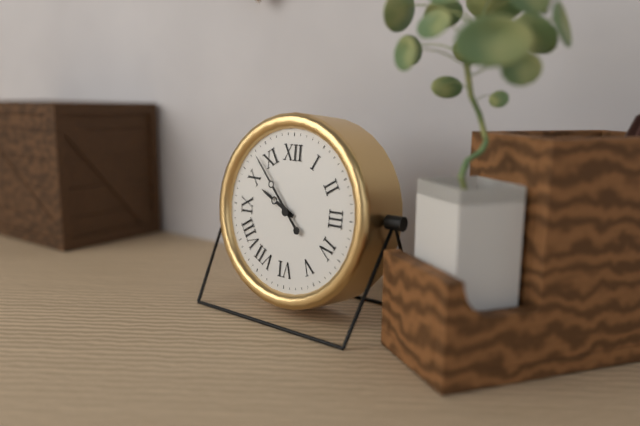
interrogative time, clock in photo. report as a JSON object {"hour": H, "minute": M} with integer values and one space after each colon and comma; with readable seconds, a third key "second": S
{"hour": 9, "minute": 53}
